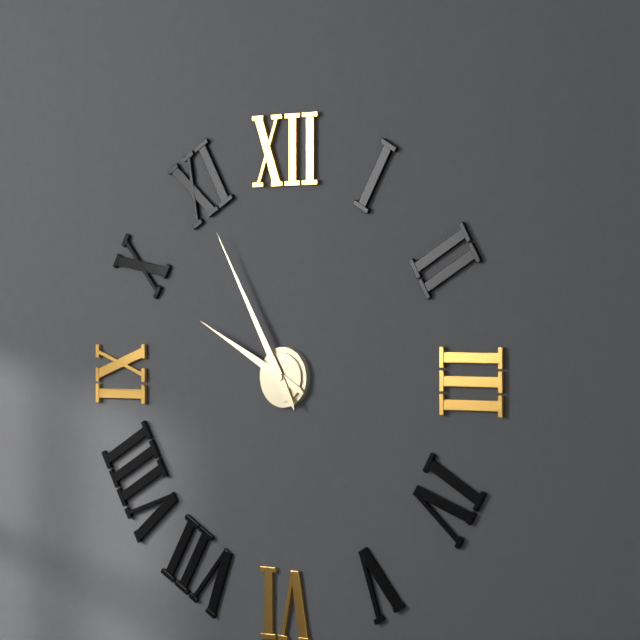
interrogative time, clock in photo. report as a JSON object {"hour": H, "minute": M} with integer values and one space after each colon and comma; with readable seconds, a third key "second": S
{"hour": 9, "minute": 55}
